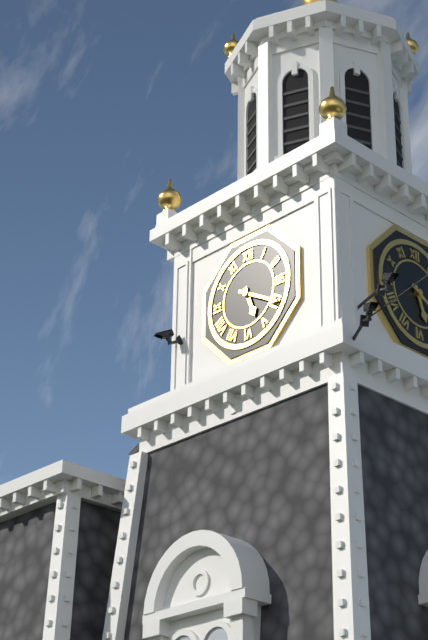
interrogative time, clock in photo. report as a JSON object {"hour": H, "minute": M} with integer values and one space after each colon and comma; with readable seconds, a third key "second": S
{"hour": 5, "minute": 20}
